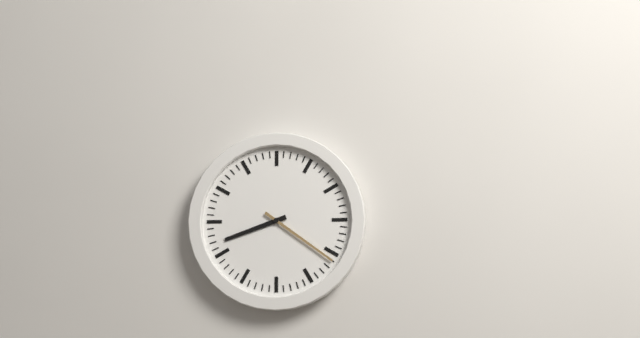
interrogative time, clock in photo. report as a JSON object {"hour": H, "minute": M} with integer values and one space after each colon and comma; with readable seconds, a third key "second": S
{"hour": 8, "minute": 21}
